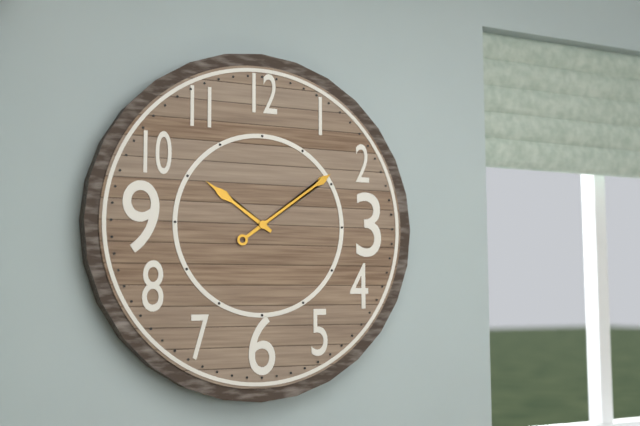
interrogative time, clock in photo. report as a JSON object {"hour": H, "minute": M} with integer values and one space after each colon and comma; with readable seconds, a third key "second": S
{"hour": 10, "minute": 9}
